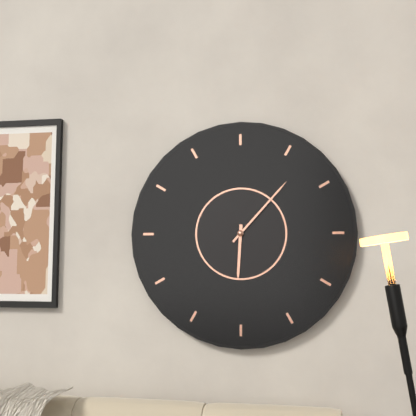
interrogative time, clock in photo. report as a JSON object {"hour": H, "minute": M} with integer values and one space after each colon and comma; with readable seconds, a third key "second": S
{"hour": 6, "minute": 7}
